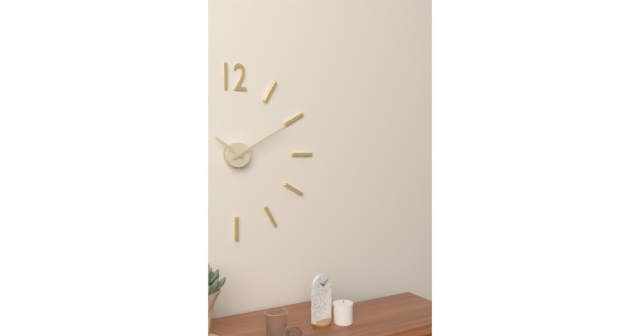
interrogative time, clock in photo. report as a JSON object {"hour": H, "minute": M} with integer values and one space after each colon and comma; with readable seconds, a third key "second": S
{"hour": 10, "minute": 10}
